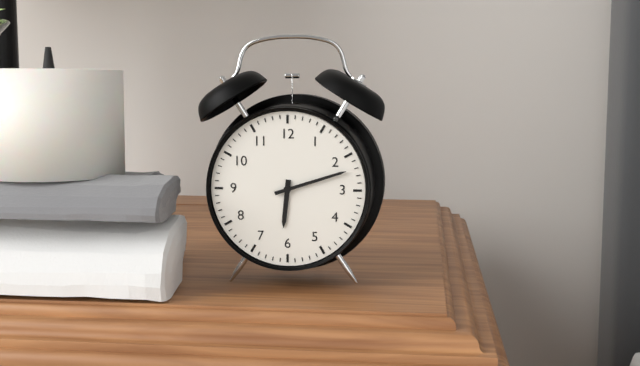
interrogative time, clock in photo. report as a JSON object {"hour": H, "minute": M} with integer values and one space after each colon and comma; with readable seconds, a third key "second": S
{"hour": 6, "minute": 12}
